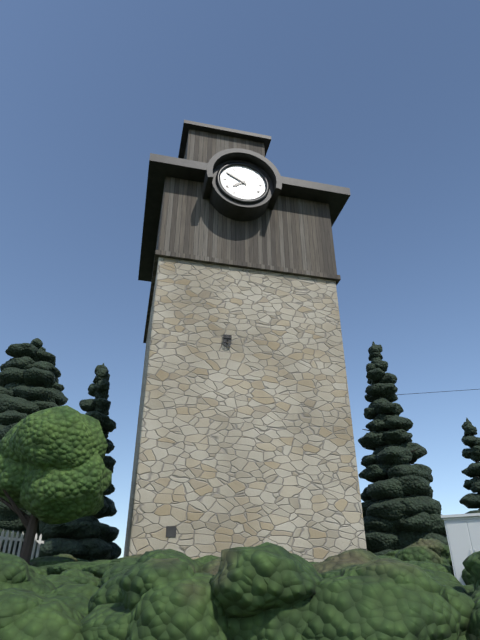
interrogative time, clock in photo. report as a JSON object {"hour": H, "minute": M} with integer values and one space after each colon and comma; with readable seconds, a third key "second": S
{"hour": 7, "minute": 50}
